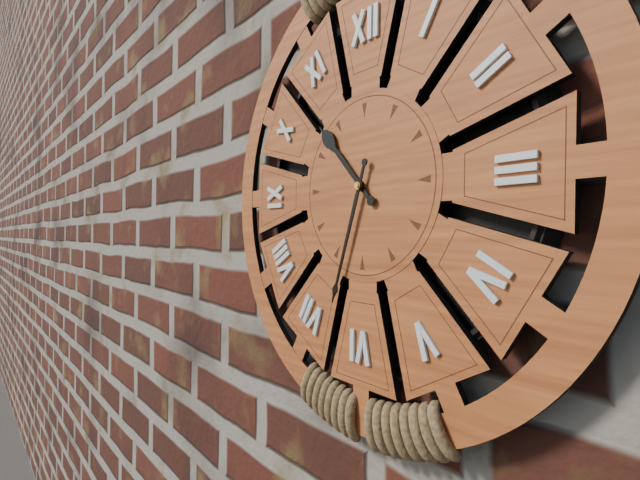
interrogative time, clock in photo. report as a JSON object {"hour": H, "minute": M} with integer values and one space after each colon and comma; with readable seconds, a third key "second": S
{"hour": 10, "minute": 33}
